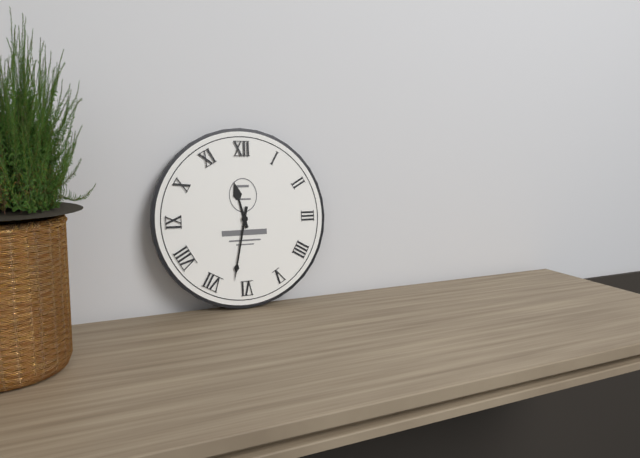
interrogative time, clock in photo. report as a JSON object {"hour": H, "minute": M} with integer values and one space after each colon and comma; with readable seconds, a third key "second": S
{"hour": 11, "minute": 32}
